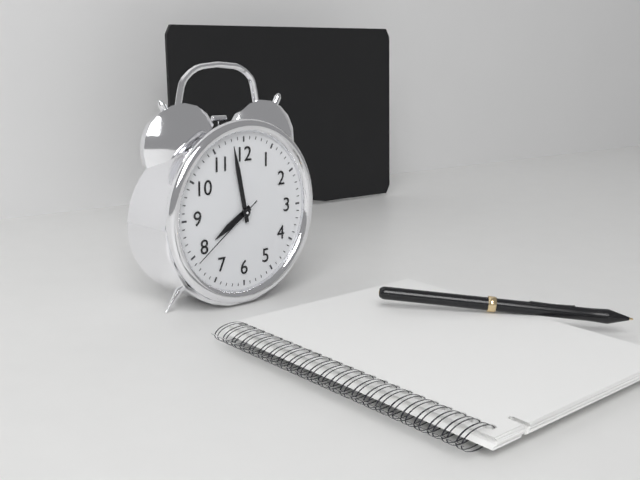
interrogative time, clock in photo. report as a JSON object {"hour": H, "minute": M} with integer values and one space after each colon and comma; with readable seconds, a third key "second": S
{"hour": 7, "minute": 58, "second": 39}
